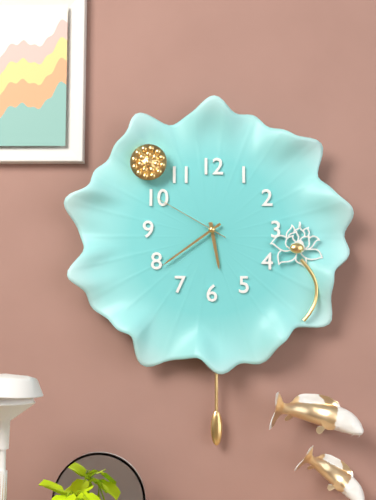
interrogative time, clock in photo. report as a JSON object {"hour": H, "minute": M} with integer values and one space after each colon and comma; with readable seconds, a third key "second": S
{"hour": 5, "minute": 39, "second": 50}
